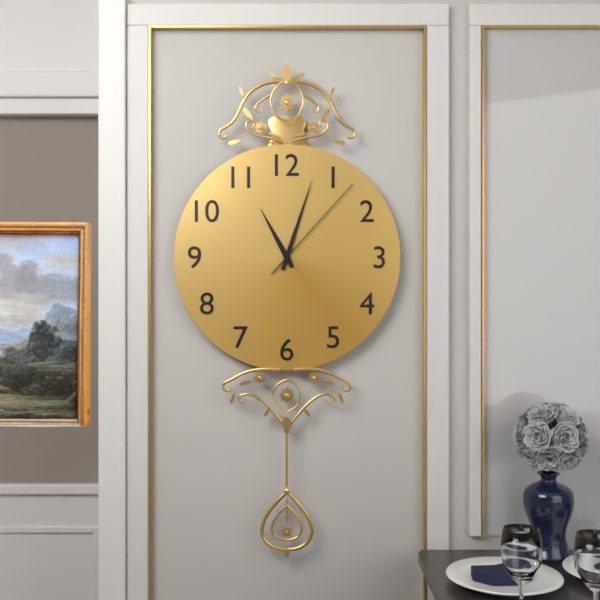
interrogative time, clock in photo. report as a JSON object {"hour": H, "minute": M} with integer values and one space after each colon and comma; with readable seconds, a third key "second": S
{"hour": 11, "minute": 3, "second": 7}
